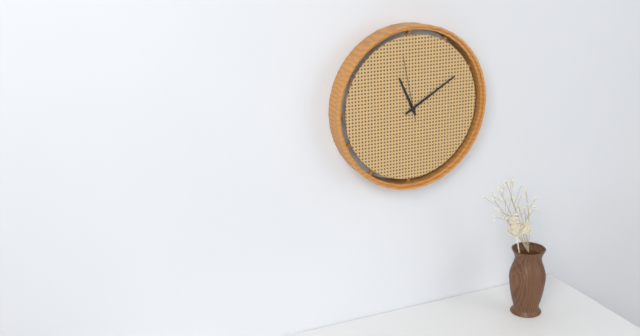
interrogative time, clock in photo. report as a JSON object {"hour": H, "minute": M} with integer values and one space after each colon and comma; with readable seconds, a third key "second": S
{"hour": 11, "minute": 10, "second": 58}
